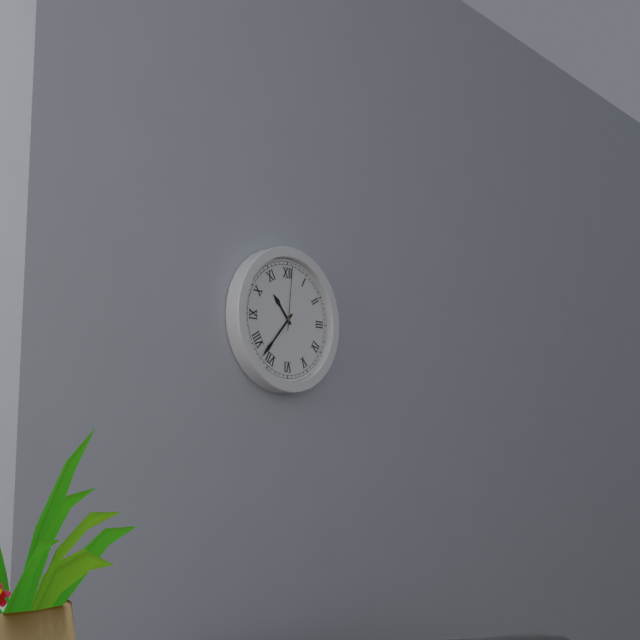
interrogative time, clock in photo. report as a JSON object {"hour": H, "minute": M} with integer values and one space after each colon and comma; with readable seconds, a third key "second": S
{"hour": 10, "minute": 37, "second": 1}
